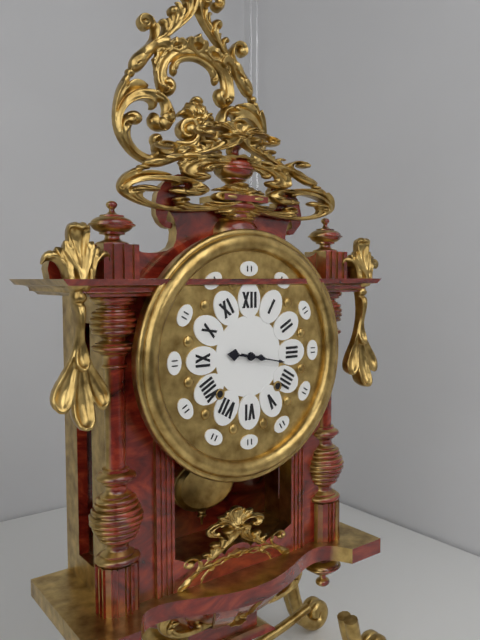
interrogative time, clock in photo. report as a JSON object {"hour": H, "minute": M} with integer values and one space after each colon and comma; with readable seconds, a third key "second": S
{"hour": 9, "minute": 17}
